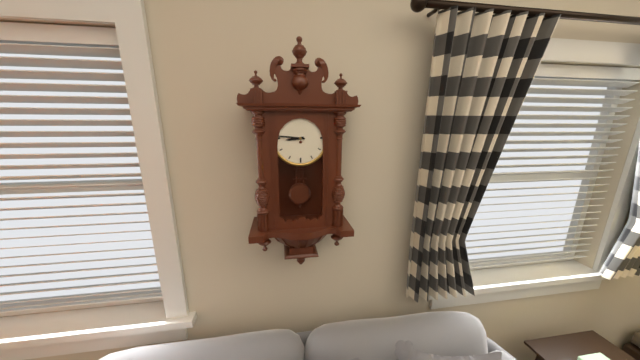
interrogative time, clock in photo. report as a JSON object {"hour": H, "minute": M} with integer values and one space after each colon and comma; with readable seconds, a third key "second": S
{"hour": 8, "minute": 46}
